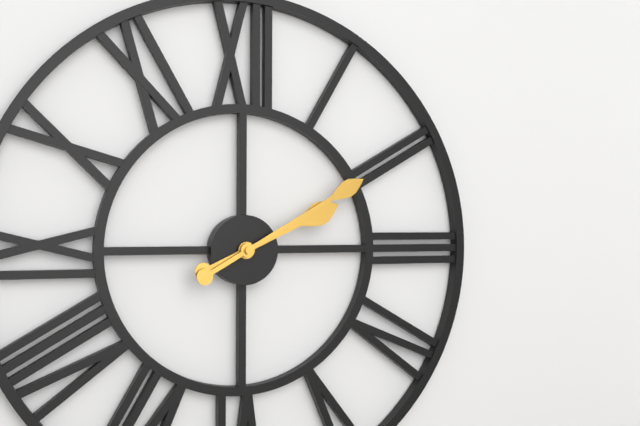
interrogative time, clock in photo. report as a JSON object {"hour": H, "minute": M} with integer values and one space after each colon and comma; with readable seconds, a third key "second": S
{"hour": 2, "minute": 10}
